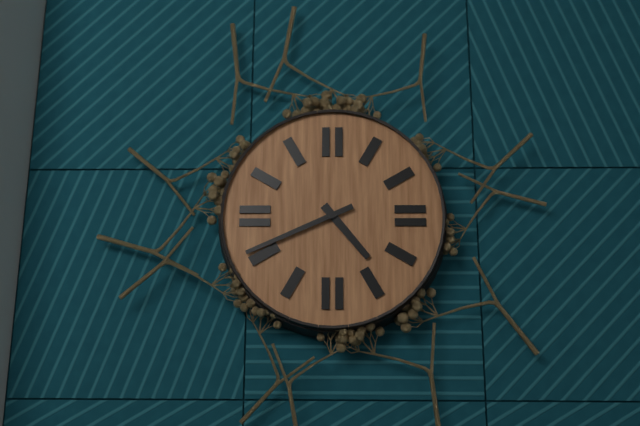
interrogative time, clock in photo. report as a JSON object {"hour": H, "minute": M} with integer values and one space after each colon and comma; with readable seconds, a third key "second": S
{"hour": 4, "minute": 41}
